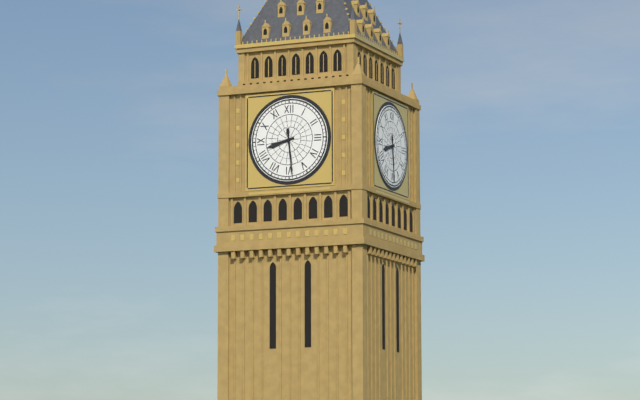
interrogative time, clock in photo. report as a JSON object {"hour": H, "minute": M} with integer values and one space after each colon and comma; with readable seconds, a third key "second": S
{"hour": 8, "minute": 29}
